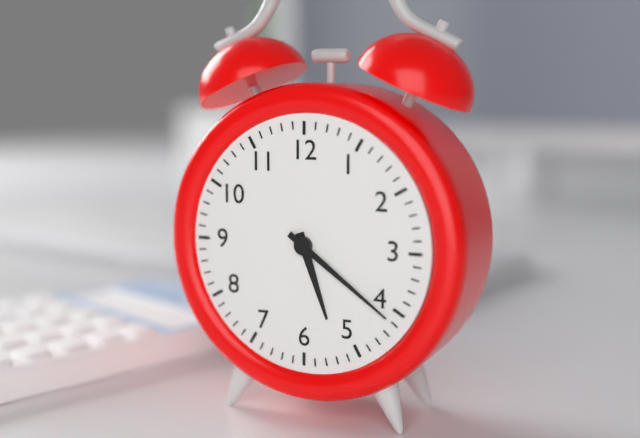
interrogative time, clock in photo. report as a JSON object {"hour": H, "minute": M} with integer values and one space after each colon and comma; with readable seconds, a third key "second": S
{"hour": 5, "minute": 21}
